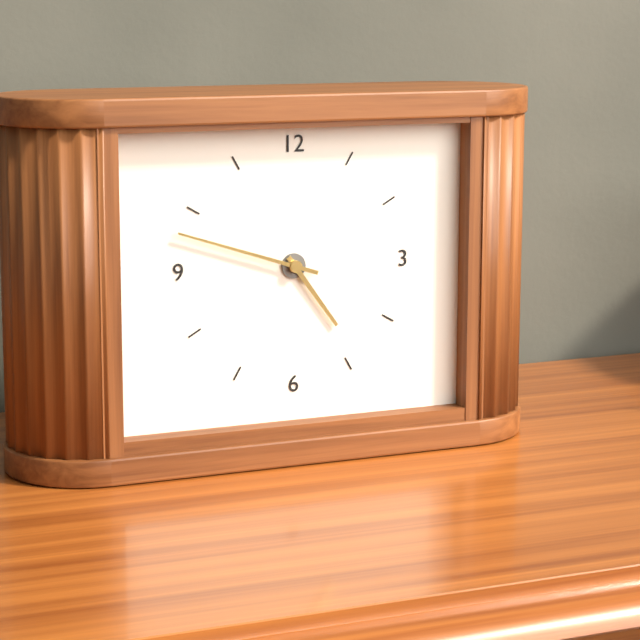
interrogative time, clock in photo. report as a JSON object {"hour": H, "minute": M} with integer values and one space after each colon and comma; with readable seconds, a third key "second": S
{"hour": 4, "minute": 48}
